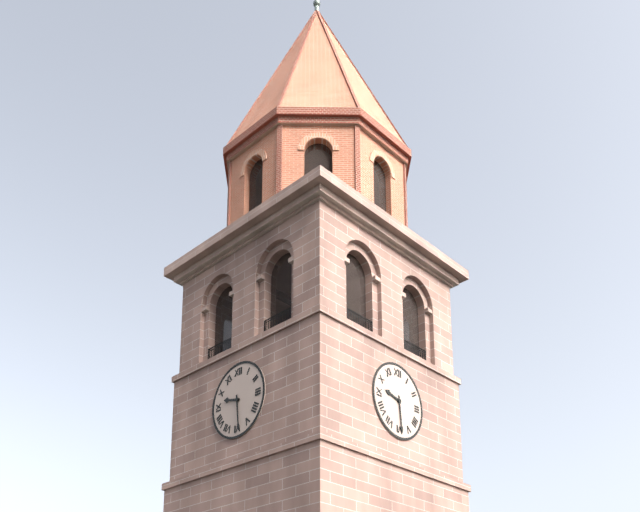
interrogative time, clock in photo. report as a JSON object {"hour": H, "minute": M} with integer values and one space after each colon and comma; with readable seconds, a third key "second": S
{"hour": 9, "minute": 29}
